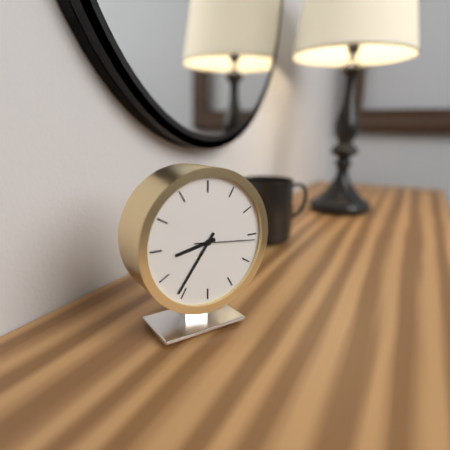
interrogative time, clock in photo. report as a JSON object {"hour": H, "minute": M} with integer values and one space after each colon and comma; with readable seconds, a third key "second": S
{"hour": 8, "minute": 36, "second": 16}
